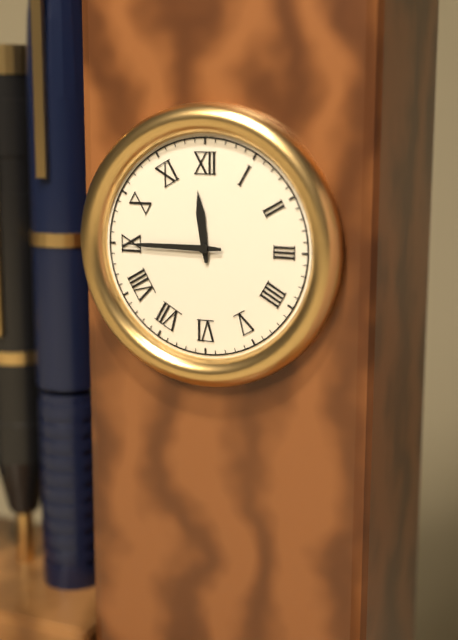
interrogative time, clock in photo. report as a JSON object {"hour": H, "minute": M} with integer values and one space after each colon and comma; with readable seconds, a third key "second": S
{"hour": 11, "minute": 45}
